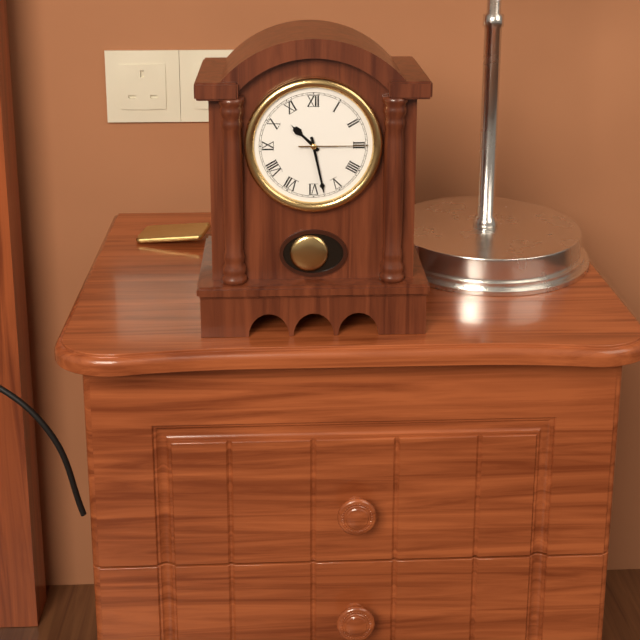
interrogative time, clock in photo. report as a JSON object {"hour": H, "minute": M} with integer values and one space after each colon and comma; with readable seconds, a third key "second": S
{"hour": 10, "minute": 28, "second": 15}
